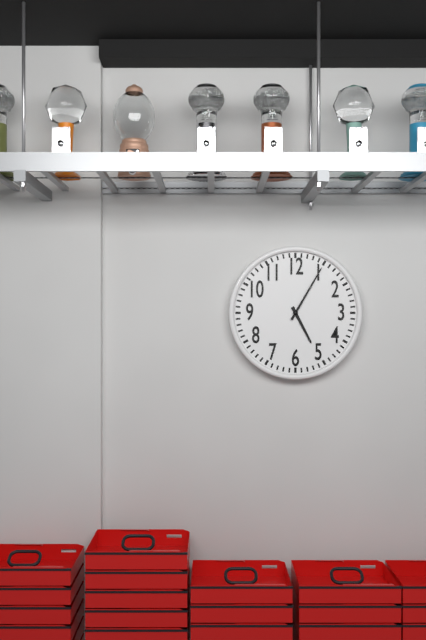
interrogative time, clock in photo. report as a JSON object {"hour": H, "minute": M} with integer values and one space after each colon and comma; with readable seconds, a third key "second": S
{"hour": 5, "minute": 5}
